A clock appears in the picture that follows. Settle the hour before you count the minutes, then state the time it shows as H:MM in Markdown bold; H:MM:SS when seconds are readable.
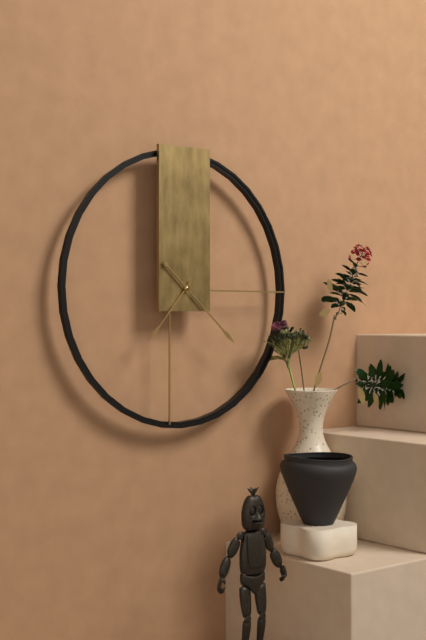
**7:22**
